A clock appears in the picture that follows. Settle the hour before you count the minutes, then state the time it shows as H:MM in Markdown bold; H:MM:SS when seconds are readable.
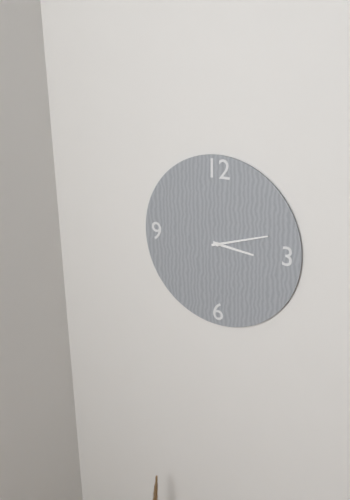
**3:12**
